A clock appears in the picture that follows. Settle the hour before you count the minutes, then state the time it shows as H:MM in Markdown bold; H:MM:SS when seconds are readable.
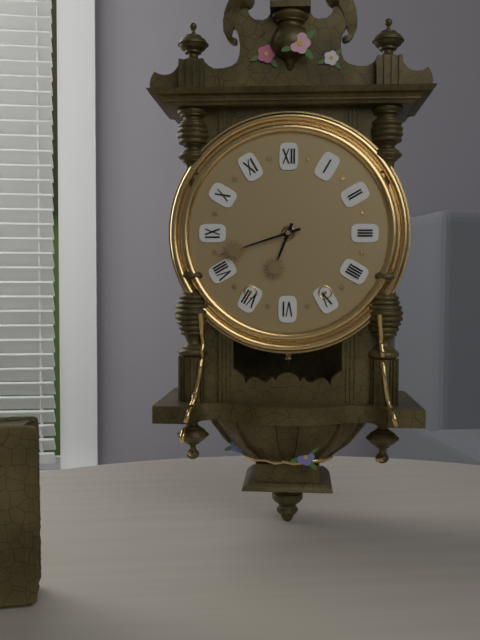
**6:42**
